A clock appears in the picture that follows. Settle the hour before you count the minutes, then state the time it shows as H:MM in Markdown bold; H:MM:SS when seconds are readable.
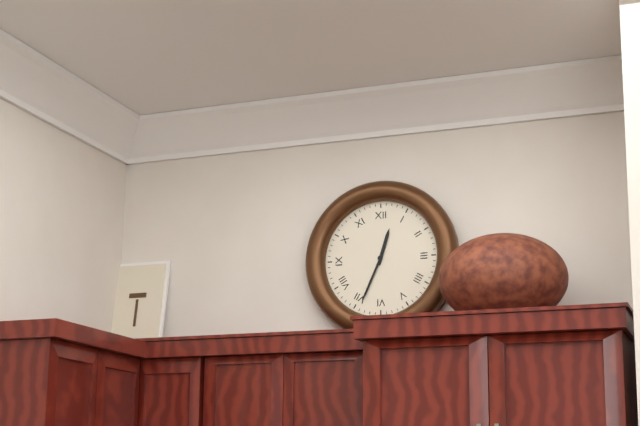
**12:34**
